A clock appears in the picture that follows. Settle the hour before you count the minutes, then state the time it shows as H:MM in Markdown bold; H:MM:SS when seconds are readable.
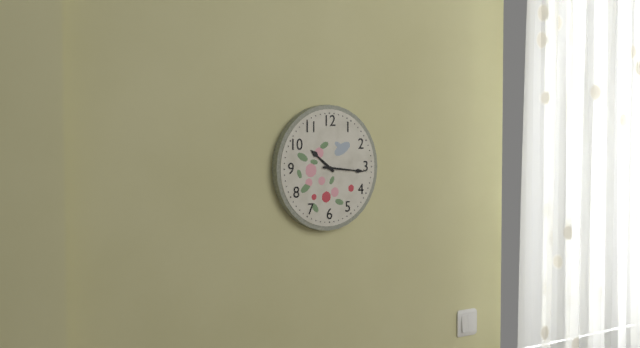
**10:16**
